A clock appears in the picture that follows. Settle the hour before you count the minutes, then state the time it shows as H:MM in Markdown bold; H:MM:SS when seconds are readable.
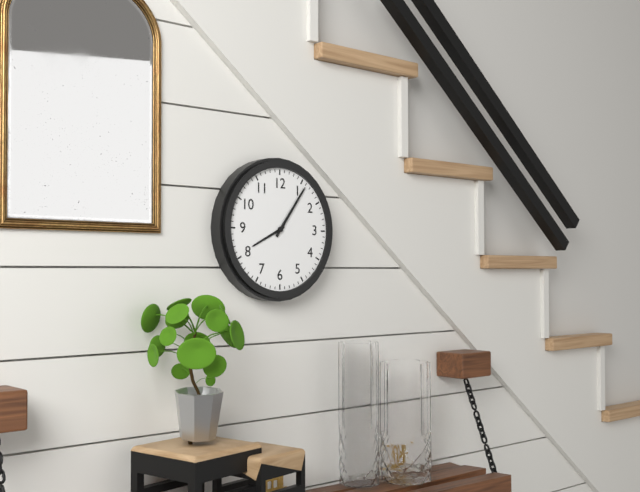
**8:06**
